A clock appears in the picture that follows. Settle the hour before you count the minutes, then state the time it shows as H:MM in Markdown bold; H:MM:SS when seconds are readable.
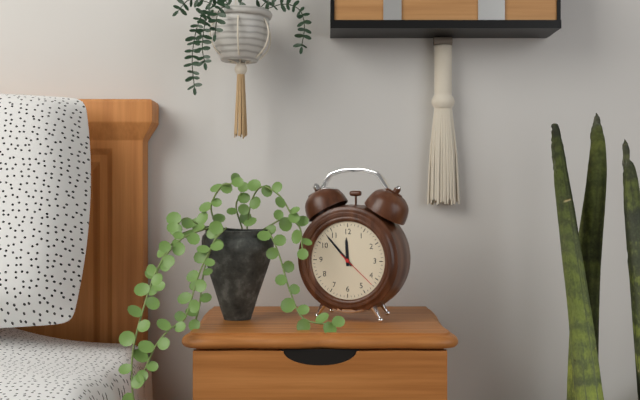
**11:53**
